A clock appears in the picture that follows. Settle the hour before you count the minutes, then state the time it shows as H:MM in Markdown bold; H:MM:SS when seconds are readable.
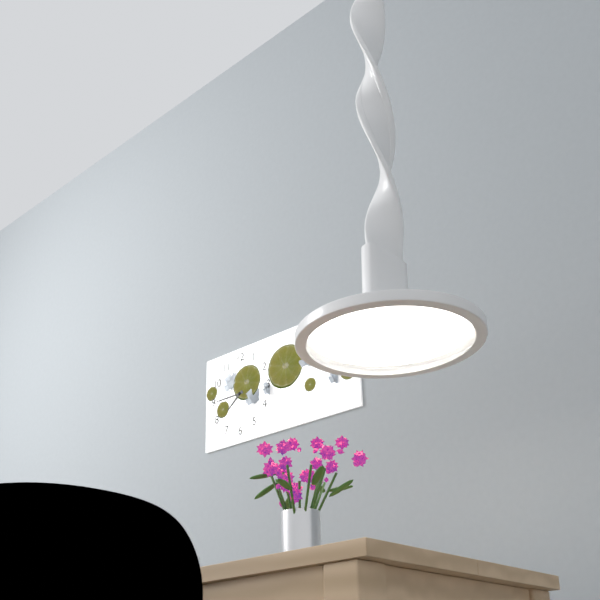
**7:45**
